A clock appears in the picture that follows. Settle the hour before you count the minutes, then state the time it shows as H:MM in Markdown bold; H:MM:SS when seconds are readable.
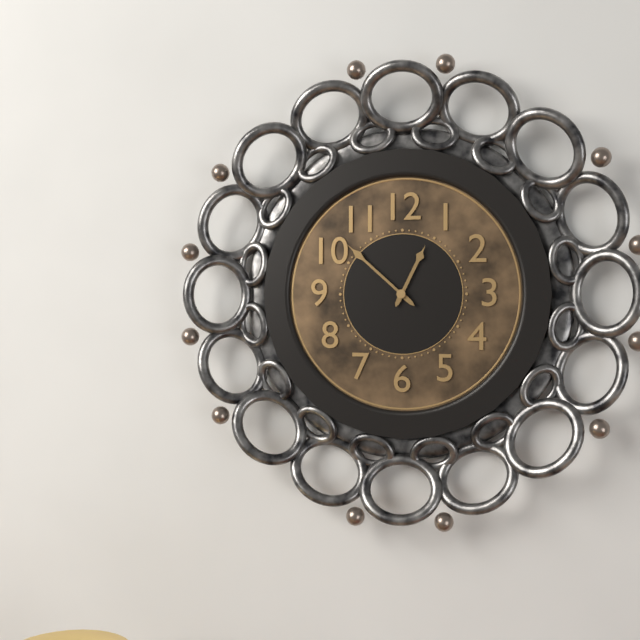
**12:52**
